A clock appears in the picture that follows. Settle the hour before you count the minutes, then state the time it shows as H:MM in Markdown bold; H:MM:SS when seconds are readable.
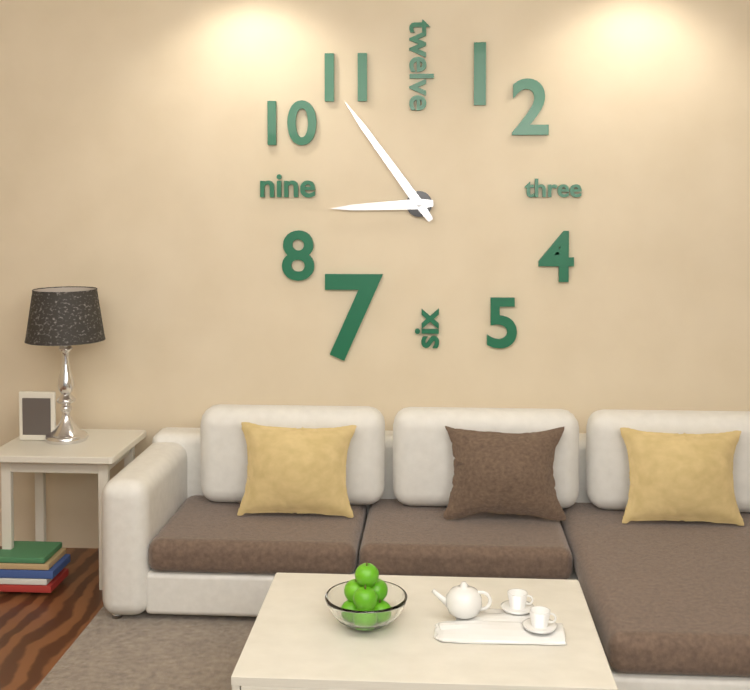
**8:54**
